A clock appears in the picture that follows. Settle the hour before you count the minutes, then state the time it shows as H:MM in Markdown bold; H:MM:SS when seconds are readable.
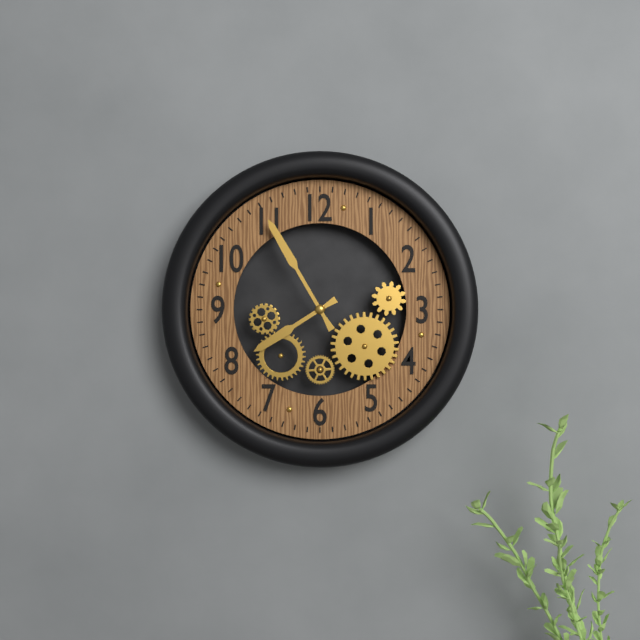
**7:55**
